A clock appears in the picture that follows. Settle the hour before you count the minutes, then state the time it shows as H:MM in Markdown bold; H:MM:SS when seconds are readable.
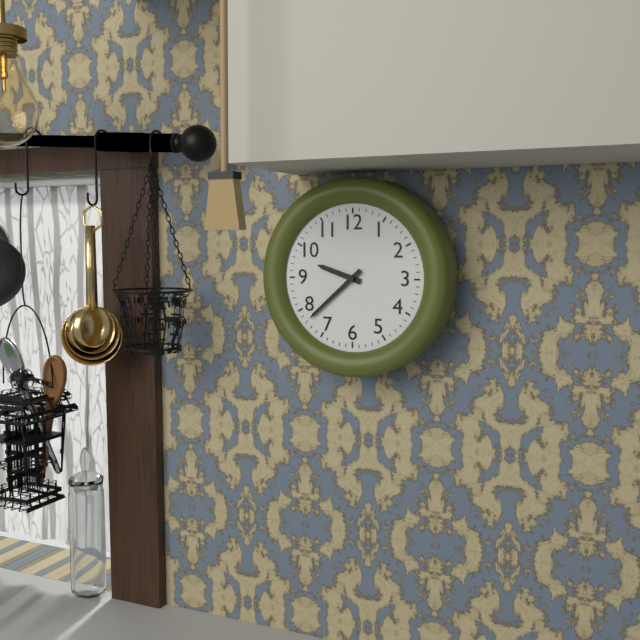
**9:38**
